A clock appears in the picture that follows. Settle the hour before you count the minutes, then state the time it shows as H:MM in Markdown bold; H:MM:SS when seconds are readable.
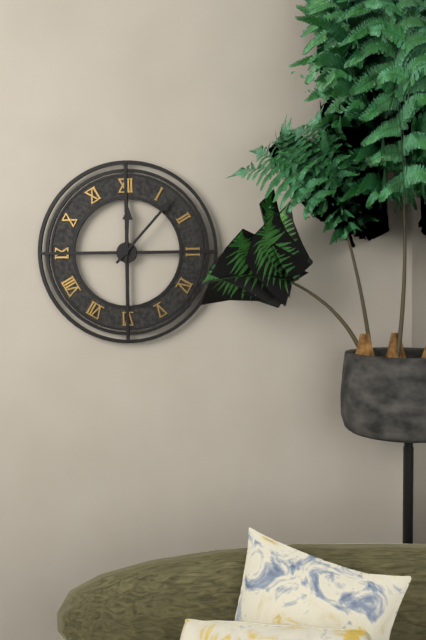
**12:07**
